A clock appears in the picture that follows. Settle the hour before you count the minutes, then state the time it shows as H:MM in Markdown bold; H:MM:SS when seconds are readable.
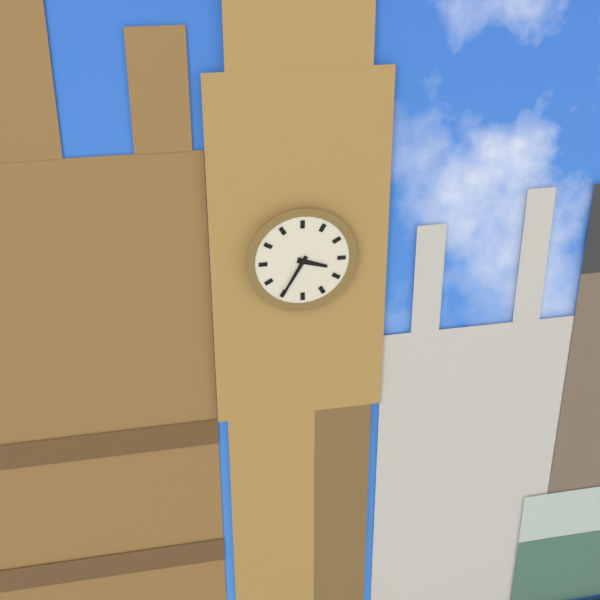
**3:35**
